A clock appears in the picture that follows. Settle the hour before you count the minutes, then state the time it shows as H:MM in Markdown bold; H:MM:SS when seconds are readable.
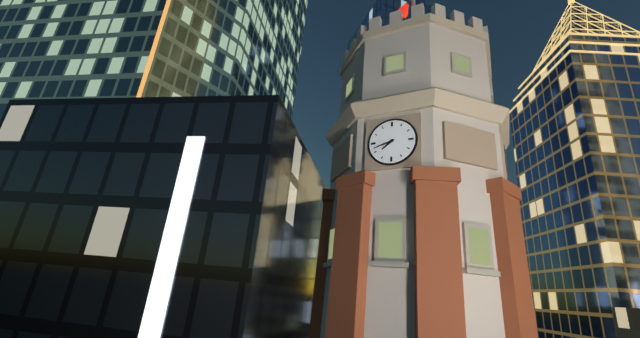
**7:42**
